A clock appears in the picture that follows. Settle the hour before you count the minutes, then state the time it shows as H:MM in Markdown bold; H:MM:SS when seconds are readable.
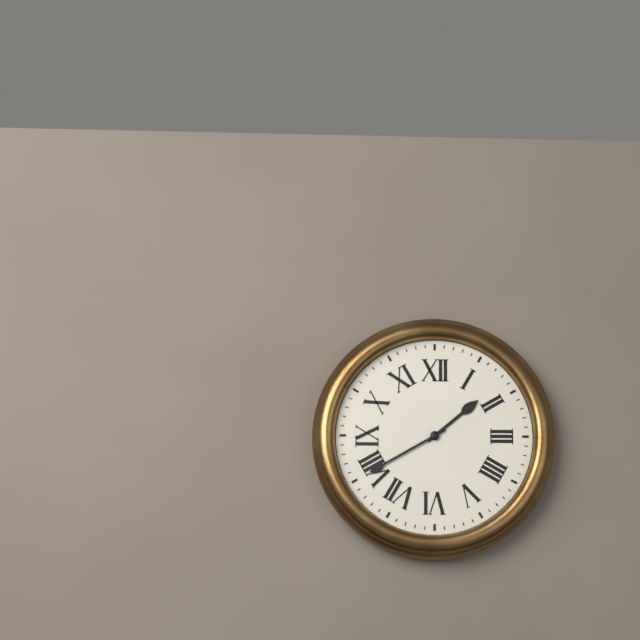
**1:40**
